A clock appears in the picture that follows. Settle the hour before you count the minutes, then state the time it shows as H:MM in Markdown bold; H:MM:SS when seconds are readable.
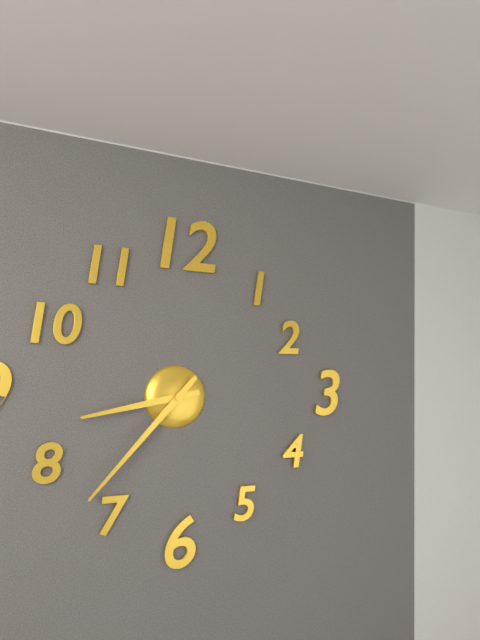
**8:37**
